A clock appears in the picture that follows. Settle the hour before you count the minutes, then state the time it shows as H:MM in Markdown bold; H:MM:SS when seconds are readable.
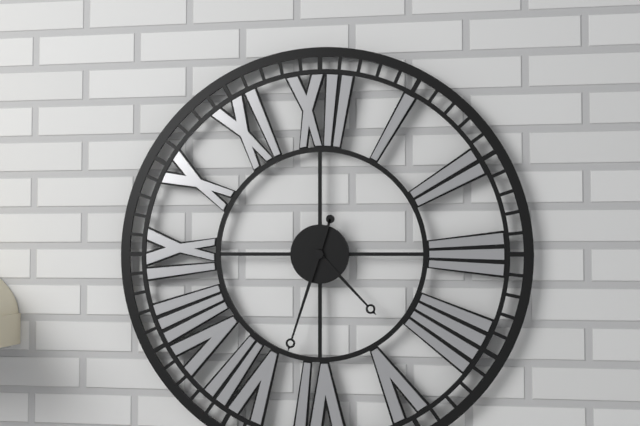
**4:33**
